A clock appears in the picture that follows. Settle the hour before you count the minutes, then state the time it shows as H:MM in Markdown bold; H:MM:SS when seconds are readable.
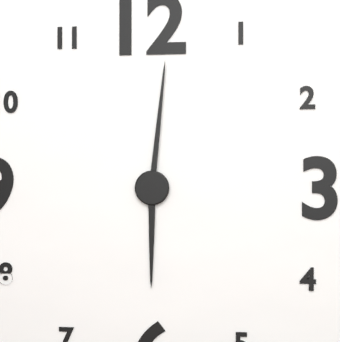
**6:01**
